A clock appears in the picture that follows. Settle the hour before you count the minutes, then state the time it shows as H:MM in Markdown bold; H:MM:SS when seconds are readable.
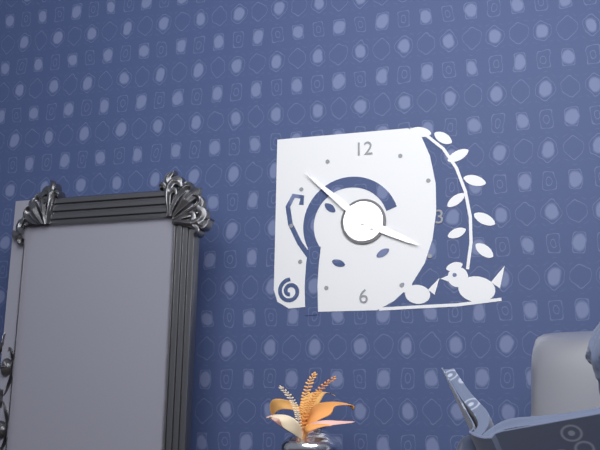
**3:52**
